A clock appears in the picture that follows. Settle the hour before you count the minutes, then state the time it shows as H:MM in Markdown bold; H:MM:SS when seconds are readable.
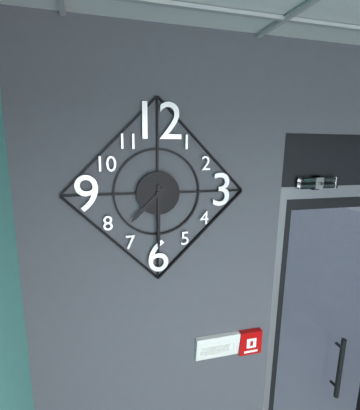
**7:30**
